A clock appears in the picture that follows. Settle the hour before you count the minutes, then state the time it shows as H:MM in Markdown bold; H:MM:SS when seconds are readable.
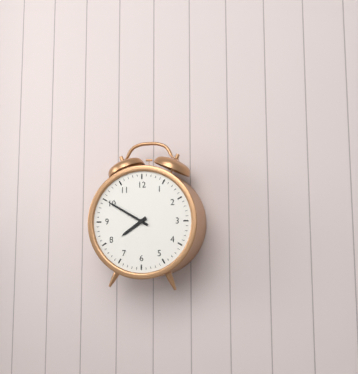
**7:50**
